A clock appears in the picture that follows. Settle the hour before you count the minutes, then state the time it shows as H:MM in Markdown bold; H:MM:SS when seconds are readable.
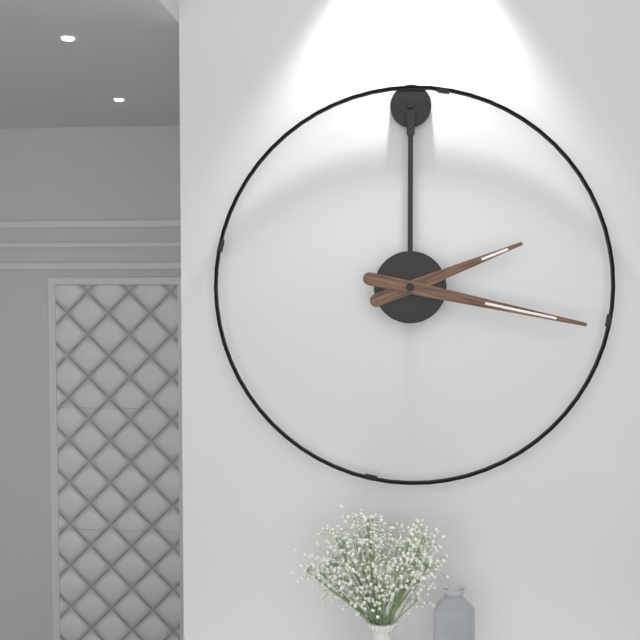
**2:17**
